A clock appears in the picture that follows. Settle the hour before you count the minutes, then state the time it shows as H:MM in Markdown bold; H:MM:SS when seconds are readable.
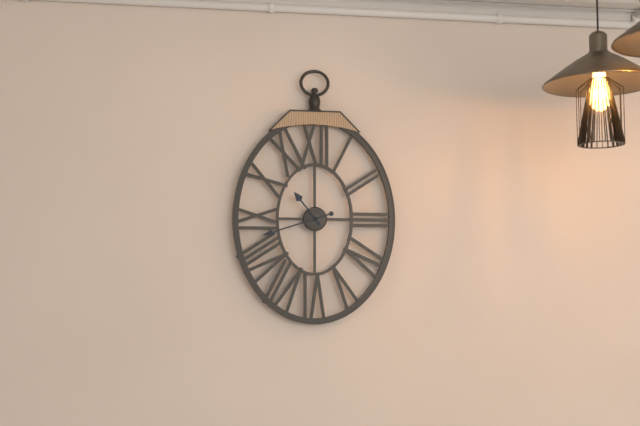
**10:42**
